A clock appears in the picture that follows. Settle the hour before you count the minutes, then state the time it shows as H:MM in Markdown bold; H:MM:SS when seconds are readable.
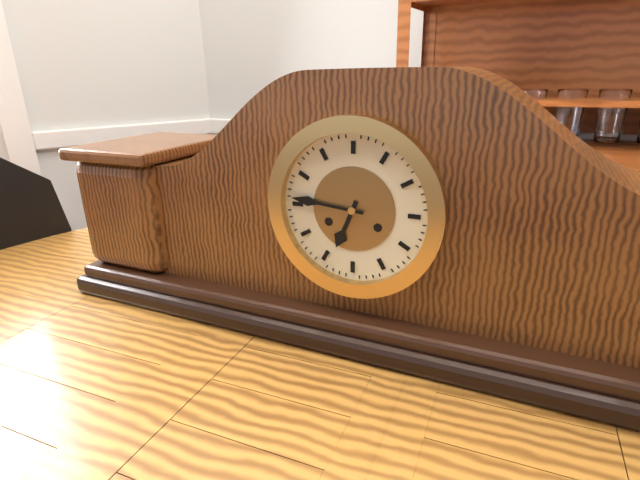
**6:46**
